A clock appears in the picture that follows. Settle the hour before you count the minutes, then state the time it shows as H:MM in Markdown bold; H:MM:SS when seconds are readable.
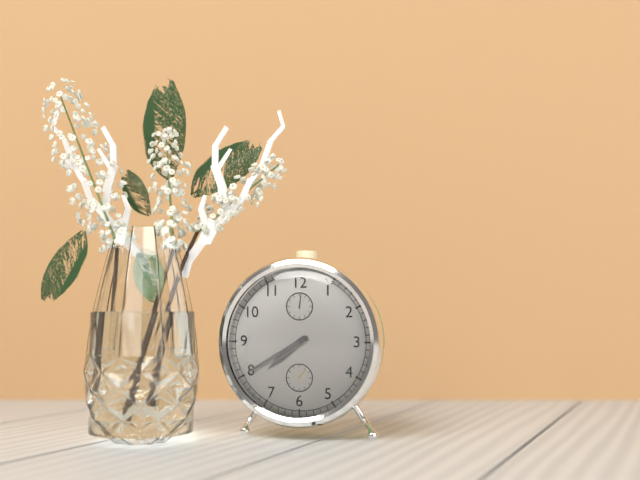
**7:40**
